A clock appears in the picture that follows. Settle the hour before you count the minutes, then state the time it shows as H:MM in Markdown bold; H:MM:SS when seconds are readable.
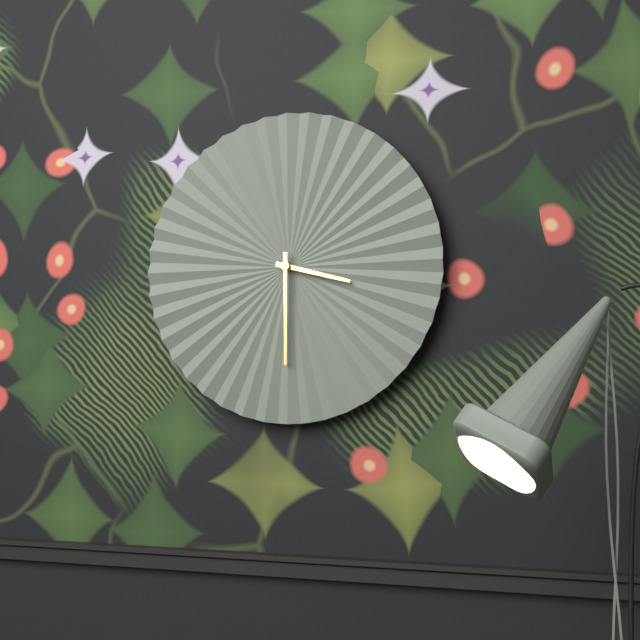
**3:30**
